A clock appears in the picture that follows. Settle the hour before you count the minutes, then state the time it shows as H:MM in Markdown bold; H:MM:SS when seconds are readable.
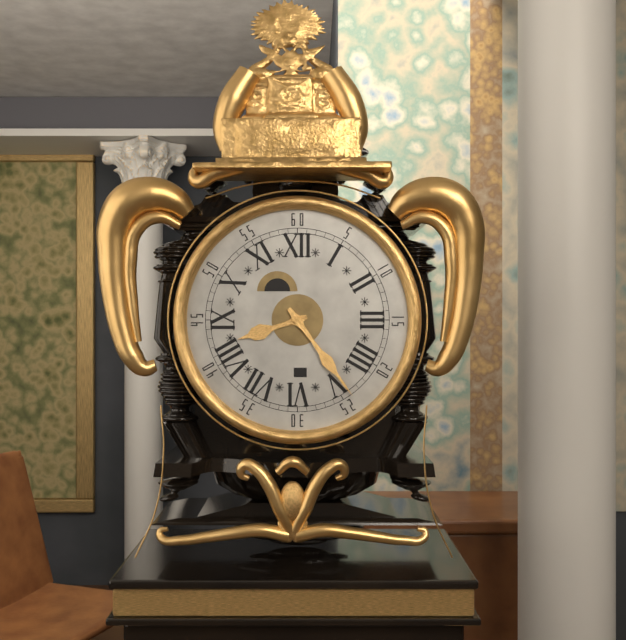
**8:24**
